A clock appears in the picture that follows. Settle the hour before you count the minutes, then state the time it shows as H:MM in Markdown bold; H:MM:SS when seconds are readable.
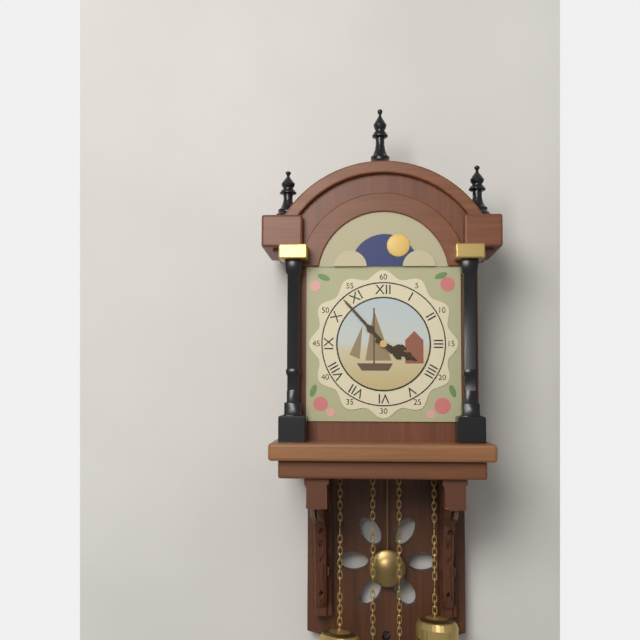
**3:53**
